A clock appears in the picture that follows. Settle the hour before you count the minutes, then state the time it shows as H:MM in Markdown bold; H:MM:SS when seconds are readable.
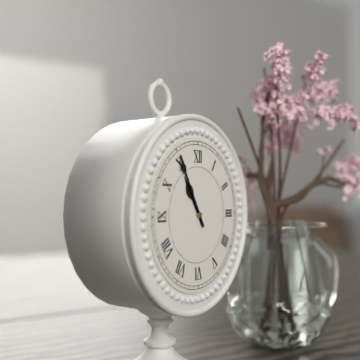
**10:55**
